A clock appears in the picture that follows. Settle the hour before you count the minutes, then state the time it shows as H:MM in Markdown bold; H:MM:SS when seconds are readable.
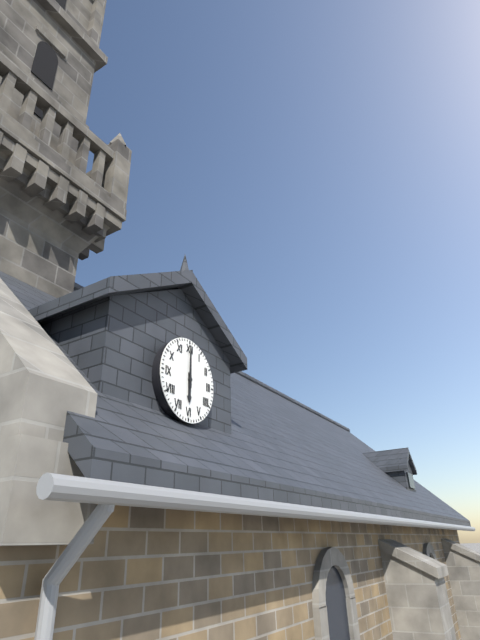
**6:00**
